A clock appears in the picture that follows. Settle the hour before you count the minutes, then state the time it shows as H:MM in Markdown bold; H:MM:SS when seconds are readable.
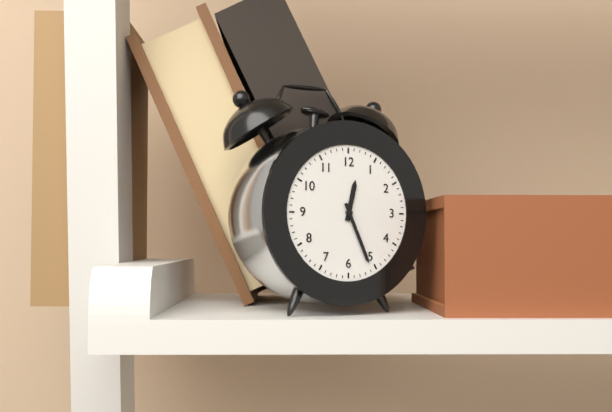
**12:26**
